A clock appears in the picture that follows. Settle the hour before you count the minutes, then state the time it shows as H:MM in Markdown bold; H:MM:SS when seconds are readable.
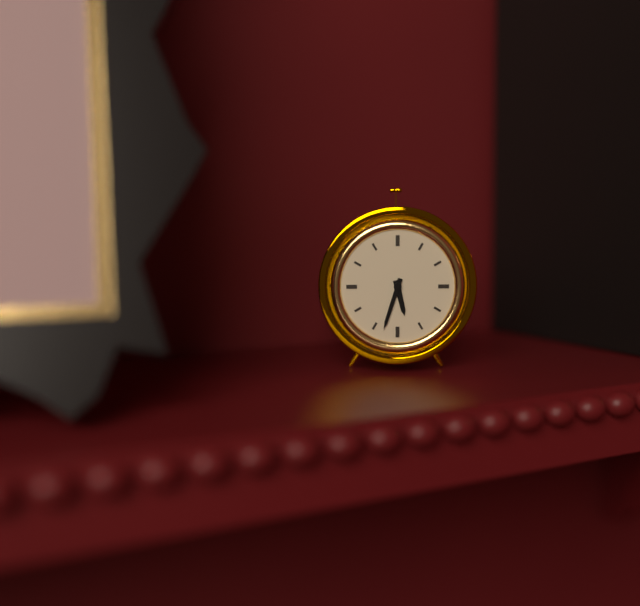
**5:33**
